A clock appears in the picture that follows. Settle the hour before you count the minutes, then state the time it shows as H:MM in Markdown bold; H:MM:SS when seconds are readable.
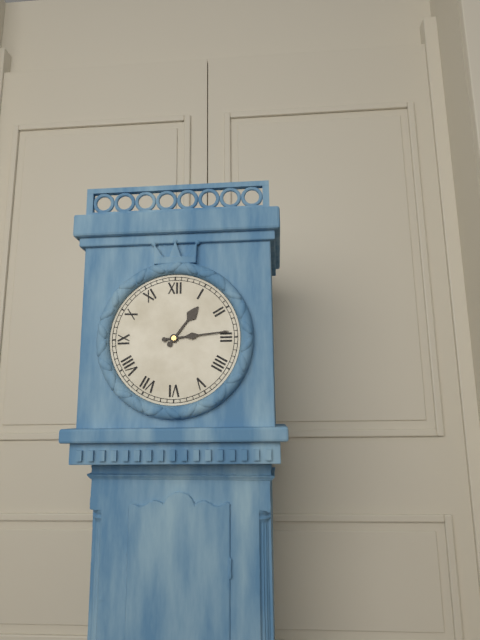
**1:14**
